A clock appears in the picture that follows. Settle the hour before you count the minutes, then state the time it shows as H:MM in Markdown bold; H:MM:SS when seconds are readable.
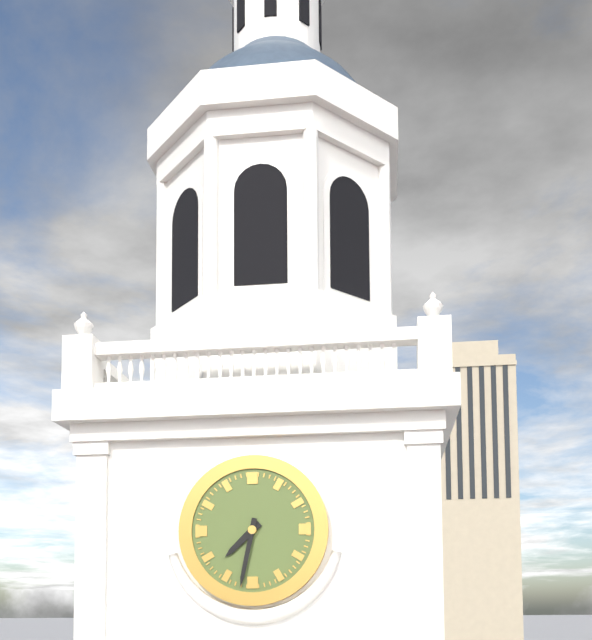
**7:32**
